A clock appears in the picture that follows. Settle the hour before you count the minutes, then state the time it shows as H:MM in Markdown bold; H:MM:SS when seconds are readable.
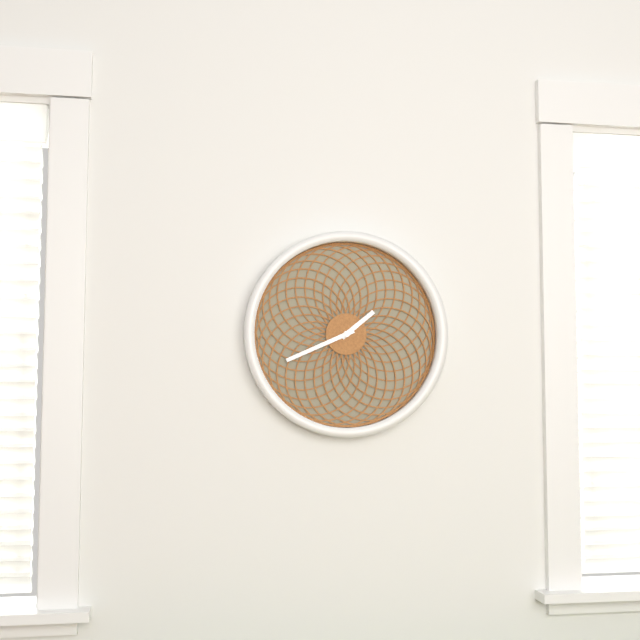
**1:41**
